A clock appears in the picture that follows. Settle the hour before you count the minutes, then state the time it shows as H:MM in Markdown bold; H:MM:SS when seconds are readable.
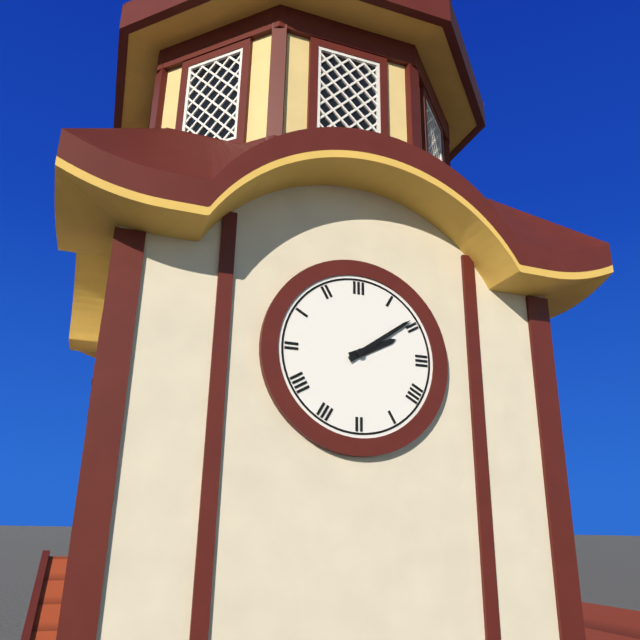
**2:09**
